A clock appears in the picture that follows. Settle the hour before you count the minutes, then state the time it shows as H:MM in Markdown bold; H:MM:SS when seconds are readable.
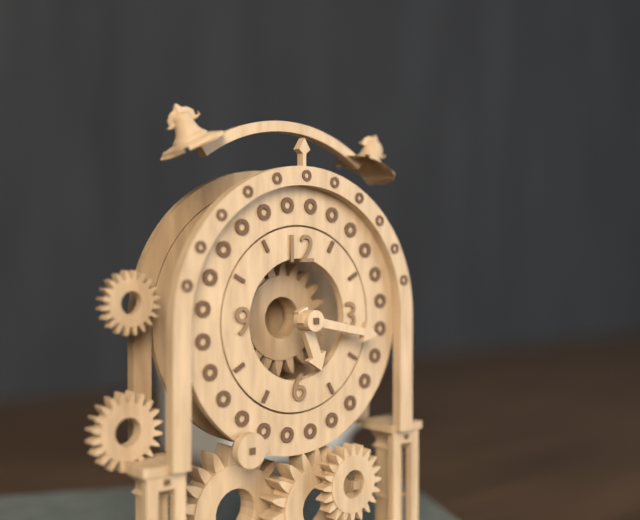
**5:17**
